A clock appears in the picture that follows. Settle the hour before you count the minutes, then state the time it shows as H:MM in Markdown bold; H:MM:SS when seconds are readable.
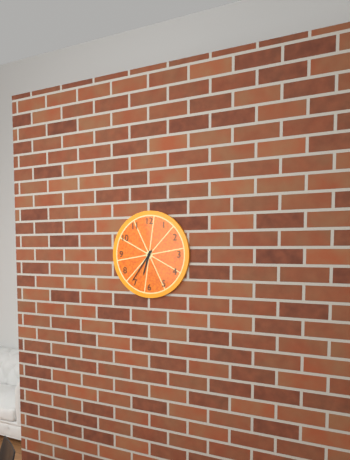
**6:36**
